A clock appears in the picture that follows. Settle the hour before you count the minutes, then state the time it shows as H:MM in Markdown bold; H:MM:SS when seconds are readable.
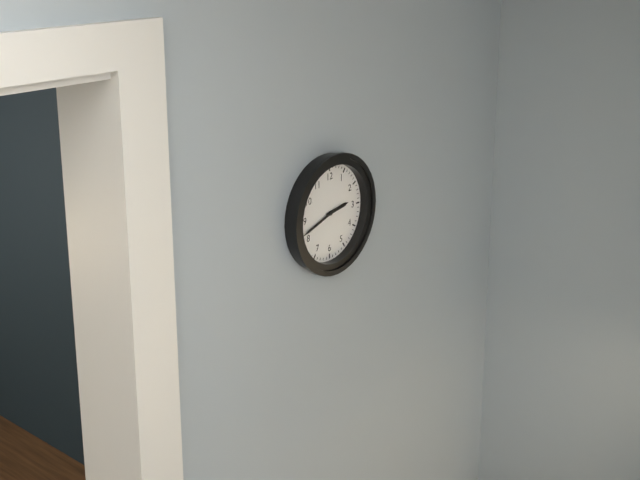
**2:42**
